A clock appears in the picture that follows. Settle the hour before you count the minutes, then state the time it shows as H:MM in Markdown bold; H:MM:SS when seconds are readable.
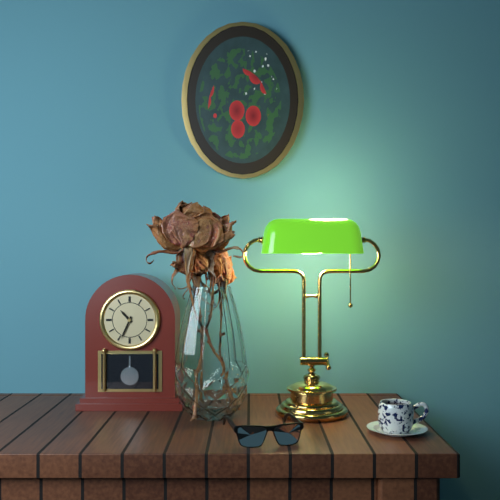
**10:34**
